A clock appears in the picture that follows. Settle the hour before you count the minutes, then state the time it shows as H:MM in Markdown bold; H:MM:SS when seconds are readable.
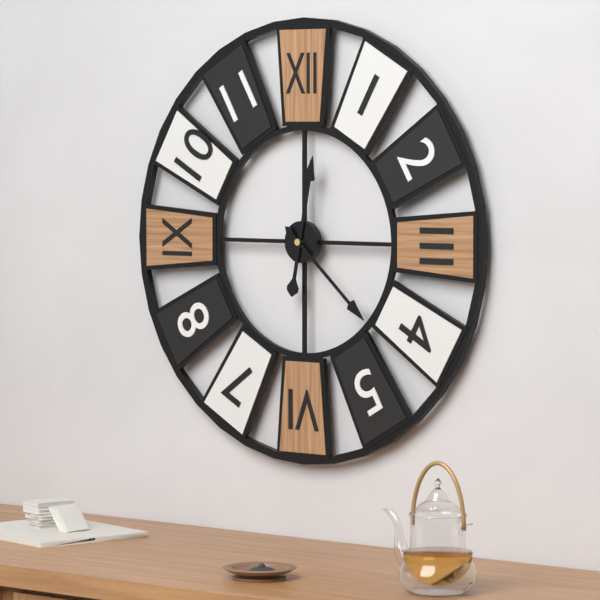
**12:22**
